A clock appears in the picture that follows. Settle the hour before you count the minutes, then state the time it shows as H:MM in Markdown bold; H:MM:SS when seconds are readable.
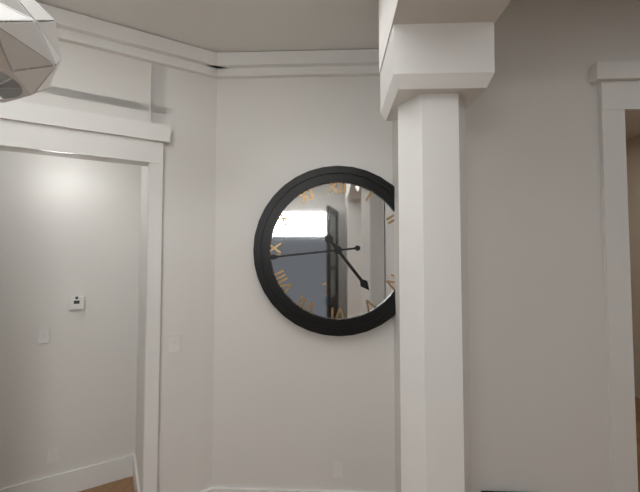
**4:44**
